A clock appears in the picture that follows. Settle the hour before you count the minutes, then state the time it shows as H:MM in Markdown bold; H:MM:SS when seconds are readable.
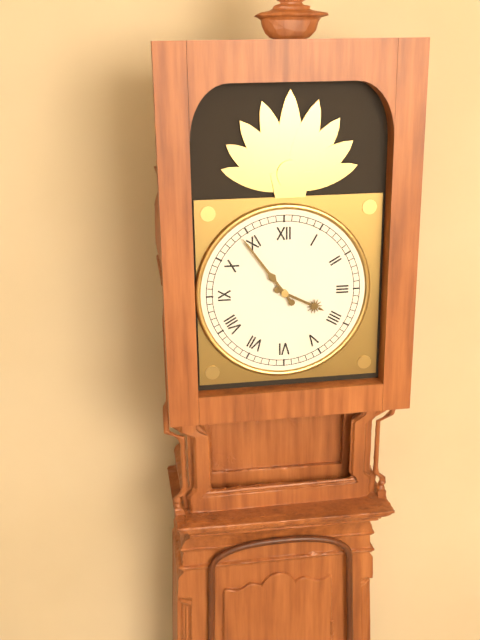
**3:54**
